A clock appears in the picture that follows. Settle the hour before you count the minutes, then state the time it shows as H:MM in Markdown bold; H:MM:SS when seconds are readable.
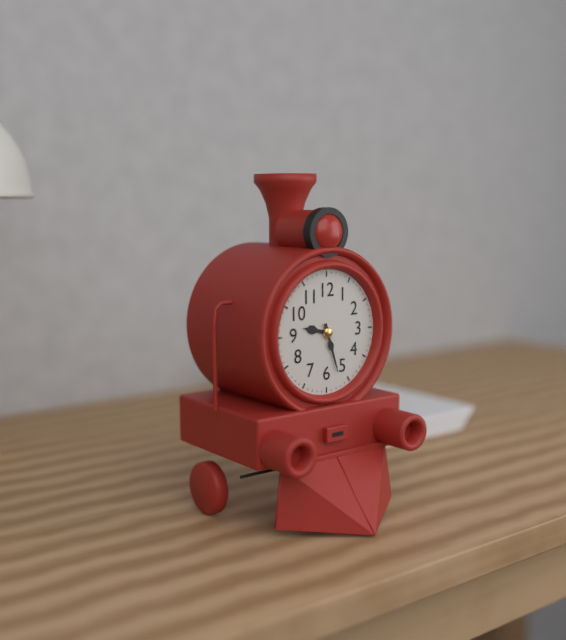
**9:27**
